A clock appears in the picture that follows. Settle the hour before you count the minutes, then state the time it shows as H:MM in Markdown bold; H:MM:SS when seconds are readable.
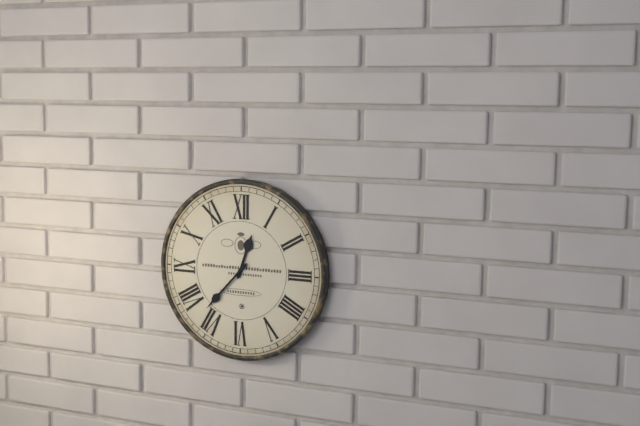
**12:37**
